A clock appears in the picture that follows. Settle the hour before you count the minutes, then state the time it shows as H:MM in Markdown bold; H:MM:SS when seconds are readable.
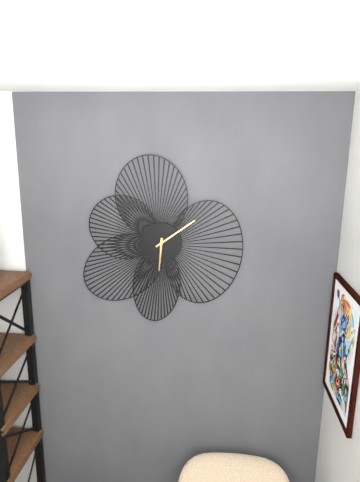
**6:09**
